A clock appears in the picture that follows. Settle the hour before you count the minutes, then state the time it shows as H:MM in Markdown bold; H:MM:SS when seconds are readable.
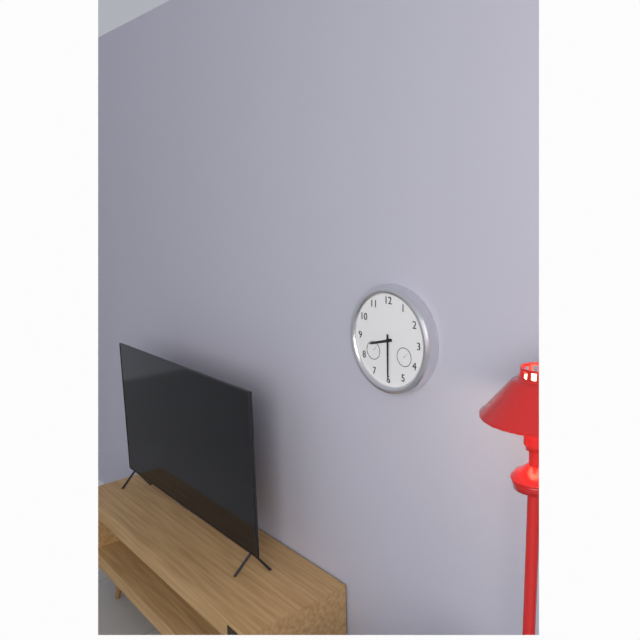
**8:30**
